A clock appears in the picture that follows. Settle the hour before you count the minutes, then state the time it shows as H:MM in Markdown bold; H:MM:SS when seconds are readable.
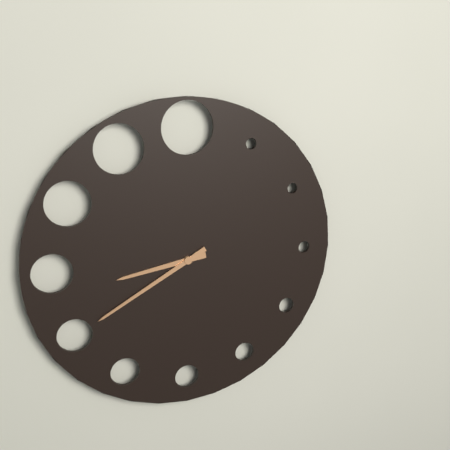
**8:40**
